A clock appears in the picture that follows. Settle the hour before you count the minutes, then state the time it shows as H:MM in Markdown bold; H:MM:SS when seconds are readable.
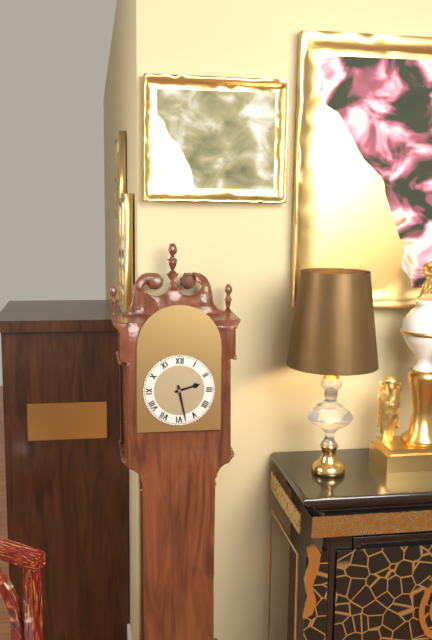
**2:28**
